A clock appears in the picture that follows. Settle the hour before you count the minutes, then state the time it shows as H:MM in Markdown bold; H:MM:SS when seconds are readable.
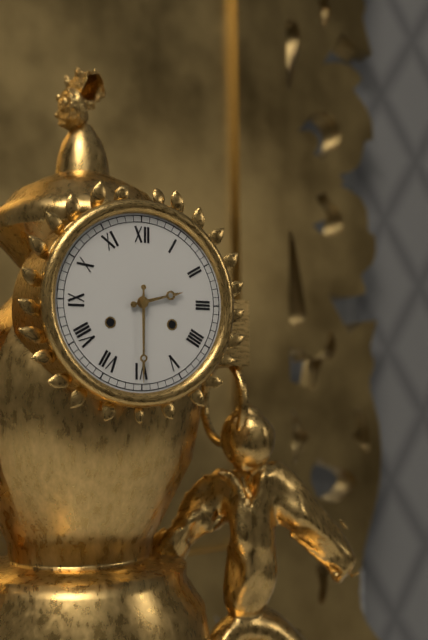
**2:30**
